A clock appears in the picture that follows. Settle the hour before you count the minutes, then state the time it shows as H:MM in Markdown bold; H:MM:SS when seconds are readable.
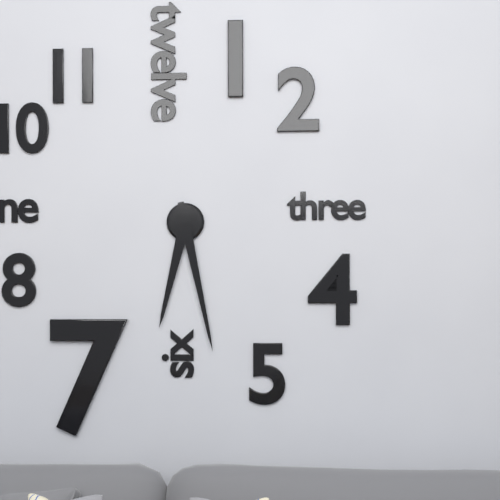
**6:28**
